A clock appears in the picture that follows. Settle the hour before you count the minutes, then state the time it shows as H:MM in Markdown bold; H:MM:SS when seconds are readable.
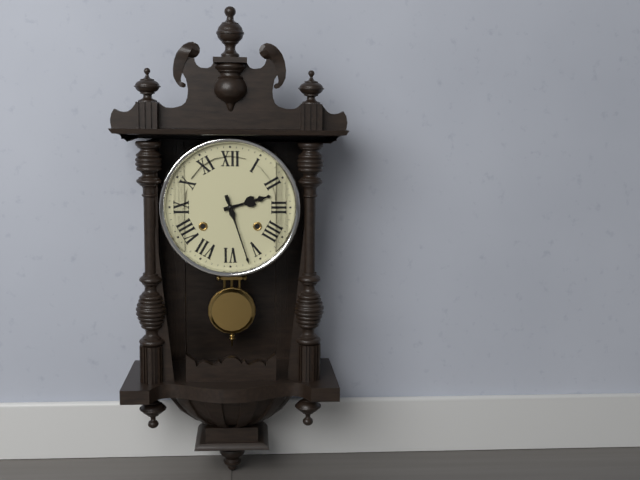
**2:27**
